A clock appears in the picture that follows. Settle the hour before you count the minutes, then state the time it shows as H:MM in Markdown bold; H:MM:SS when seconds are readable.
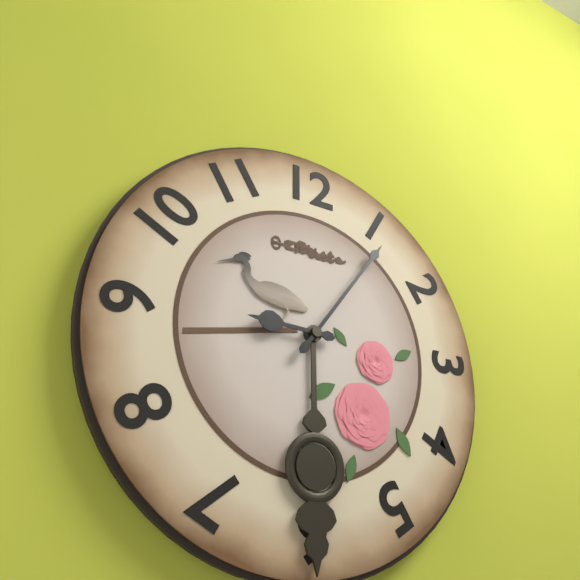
**9:06**
